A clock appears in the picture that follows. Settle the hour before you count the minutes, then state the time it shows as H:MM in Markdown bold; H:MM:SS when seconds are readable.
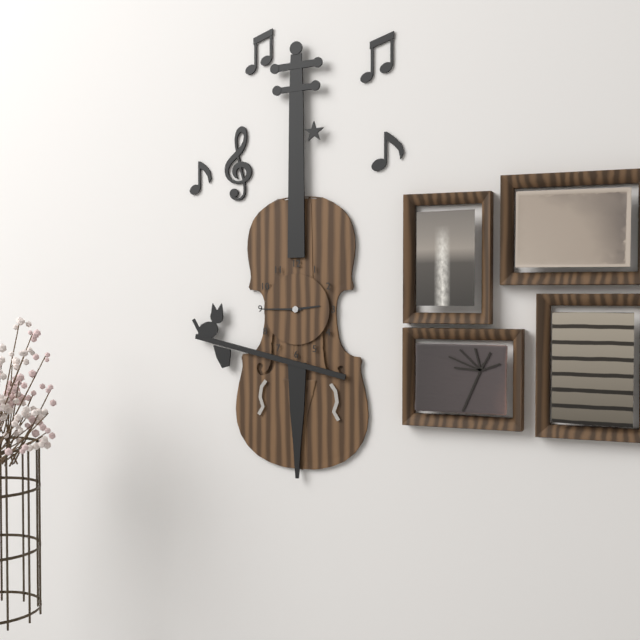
**2:45**
